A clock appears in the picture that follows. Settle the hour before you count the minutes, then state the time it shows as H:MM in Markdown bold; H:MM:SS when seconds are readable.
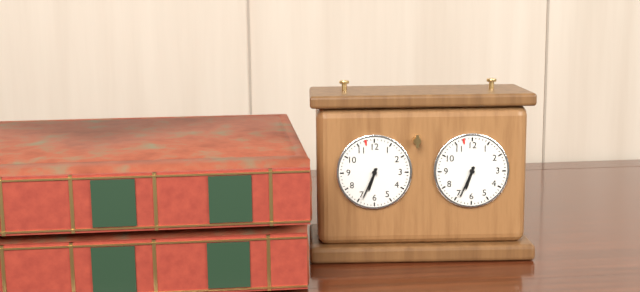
**6:34**
